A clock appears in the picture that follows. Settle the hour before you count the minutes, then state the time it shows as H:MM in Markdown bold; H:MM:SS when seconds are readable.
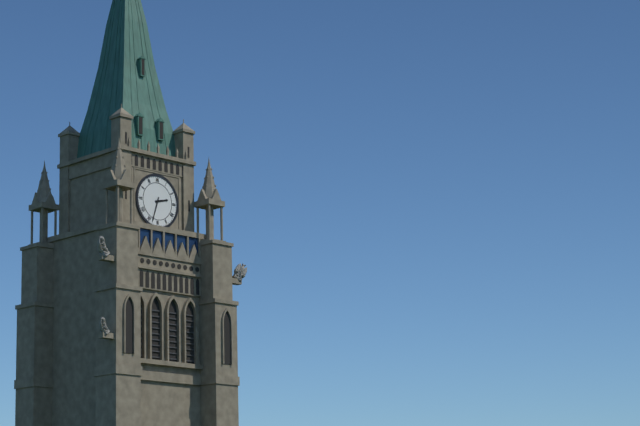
**2:33**
